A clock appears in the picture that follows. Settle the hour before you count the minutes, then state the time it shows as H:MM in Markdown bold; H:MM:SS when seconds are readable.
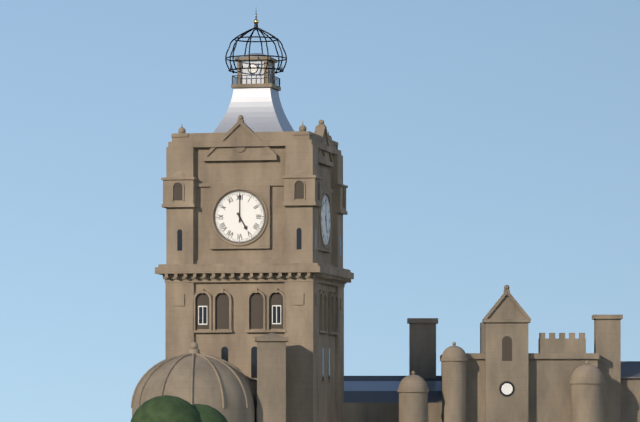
**5:00**
